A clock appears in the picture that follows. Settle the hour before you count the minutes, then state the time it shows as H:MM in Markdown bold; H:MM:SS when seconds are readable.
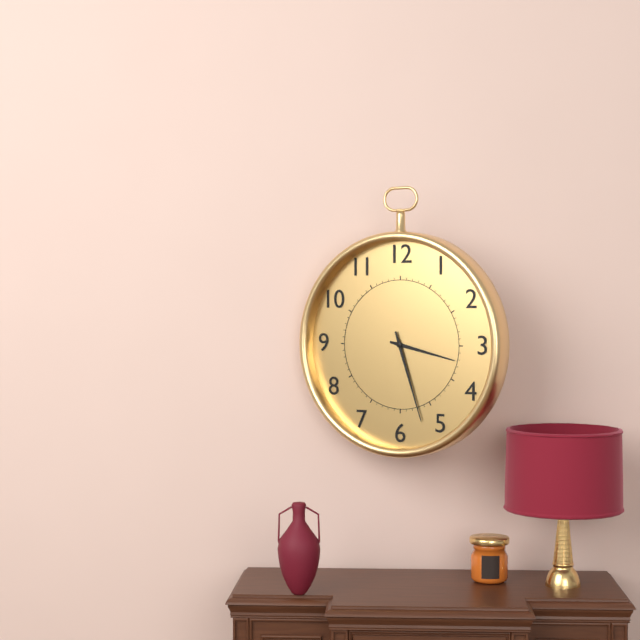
**3:27**
